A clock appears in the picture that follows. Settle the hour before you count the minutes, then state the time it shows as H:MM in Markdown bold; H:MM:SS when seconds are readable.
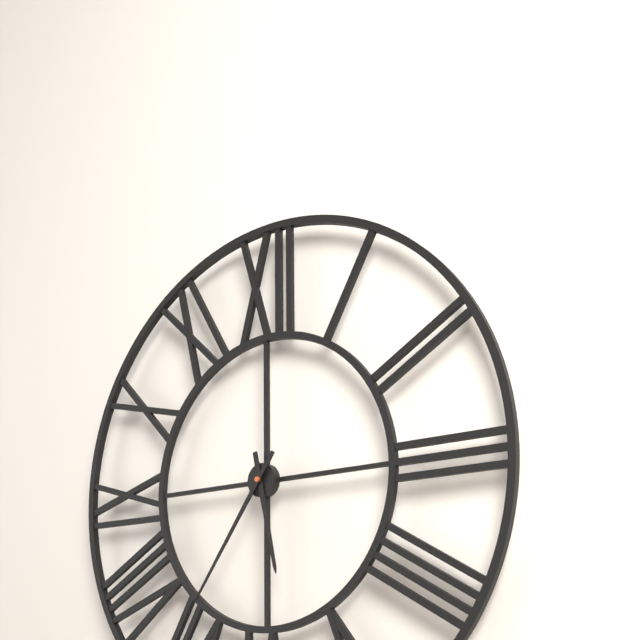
**5:36**
